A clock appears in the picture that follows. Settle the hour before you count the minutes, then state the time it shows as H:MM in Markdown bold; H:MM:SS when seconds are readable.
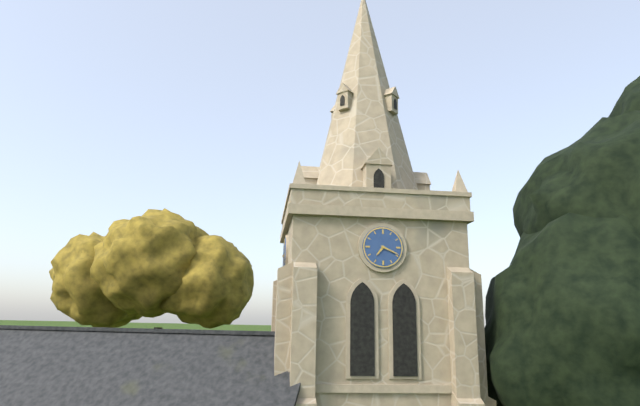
**7:19**
